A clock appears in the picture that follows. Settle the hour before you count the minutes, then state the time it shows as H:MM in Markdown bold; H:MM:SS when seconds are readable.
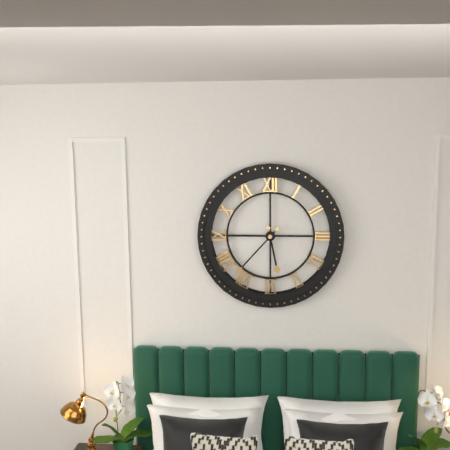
**5:37**
